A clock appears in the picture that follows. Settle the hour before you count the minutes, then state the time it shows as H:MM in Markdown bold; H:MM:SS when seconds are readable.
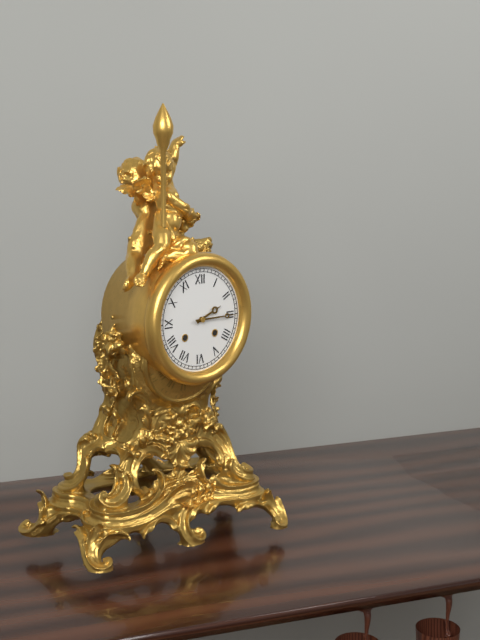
**2:15**
